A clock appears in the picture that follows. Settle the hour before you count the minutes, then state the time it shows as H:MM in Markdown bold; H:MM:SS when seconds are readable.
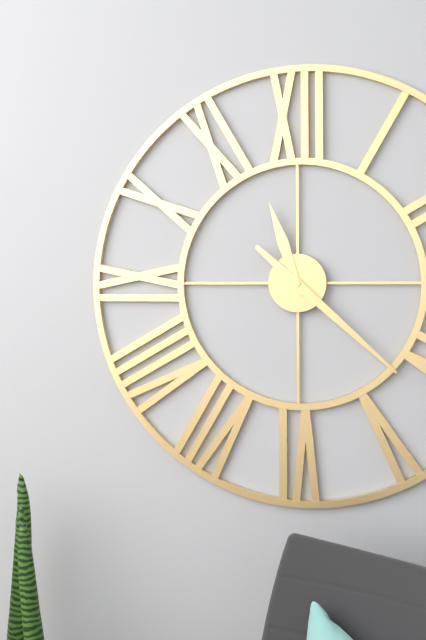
**11:22**
